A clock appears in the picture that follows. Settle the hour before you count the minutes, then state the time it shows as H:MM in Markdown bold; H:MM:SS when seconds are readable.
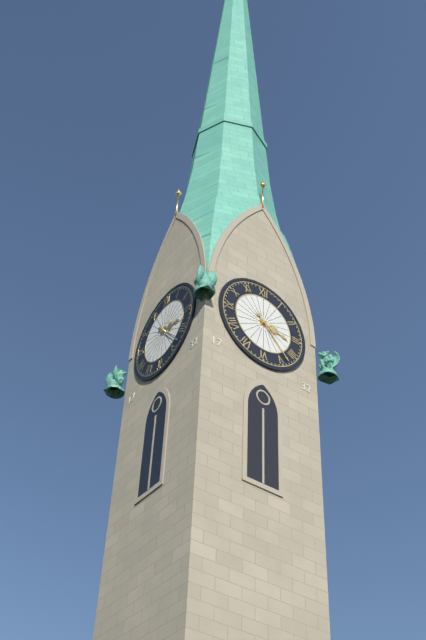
**3:23**
